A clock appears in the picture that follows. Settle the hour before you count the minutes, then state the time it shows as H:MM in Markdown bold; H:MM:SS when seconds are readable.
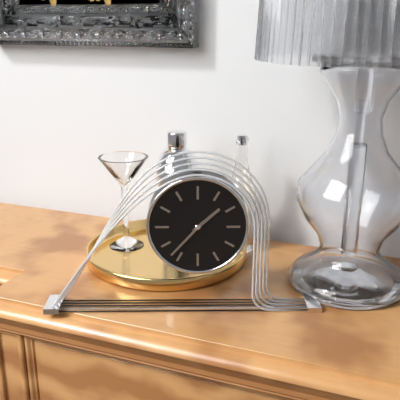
**1:37**
